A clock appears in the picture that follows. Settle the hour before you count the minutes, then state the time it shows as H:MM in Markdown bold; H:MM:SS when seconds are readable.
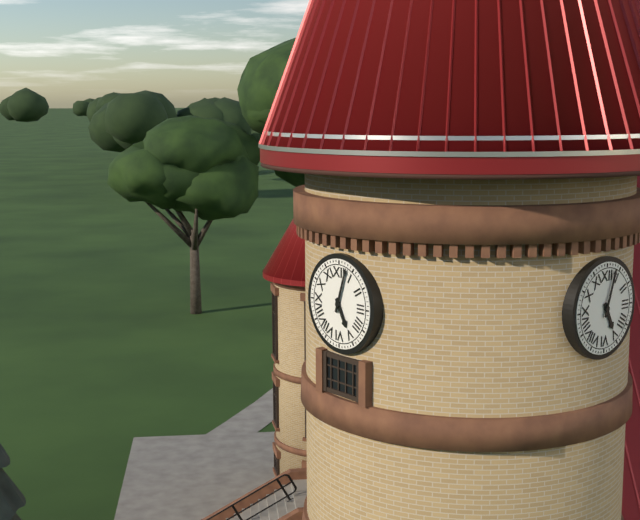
**5:03**
